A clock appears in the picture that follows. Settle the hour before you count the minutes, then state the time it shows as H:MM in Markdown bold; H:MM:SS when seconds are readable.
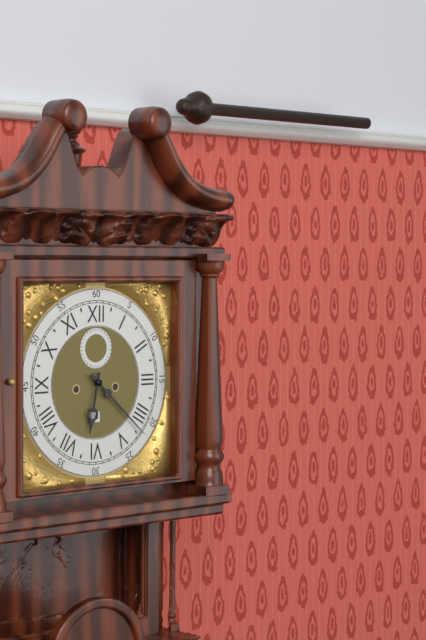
**6:22**
